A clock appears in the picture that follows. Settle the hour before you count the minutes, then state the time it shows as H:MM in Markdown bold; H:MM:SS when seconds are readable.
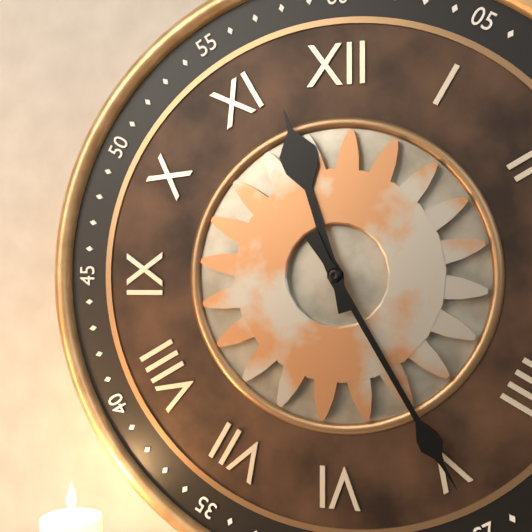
**11:25**
